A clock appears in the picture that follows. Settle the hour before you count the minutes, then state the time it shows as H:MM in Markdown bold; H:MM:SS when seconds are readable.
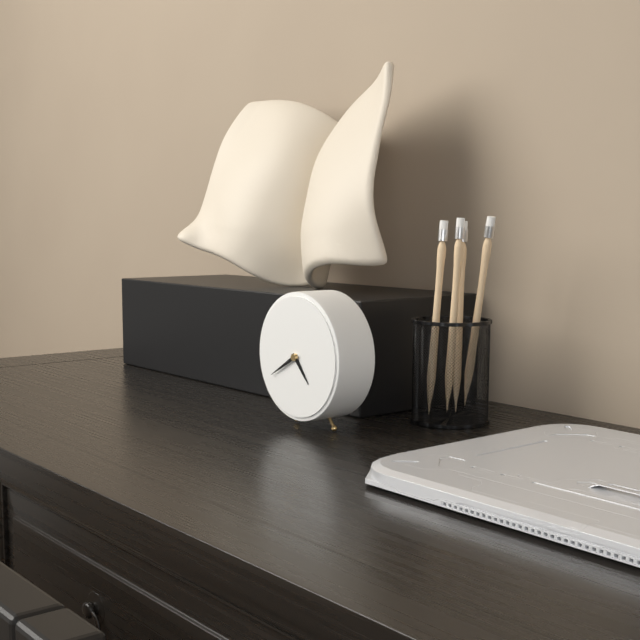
**4:40**
